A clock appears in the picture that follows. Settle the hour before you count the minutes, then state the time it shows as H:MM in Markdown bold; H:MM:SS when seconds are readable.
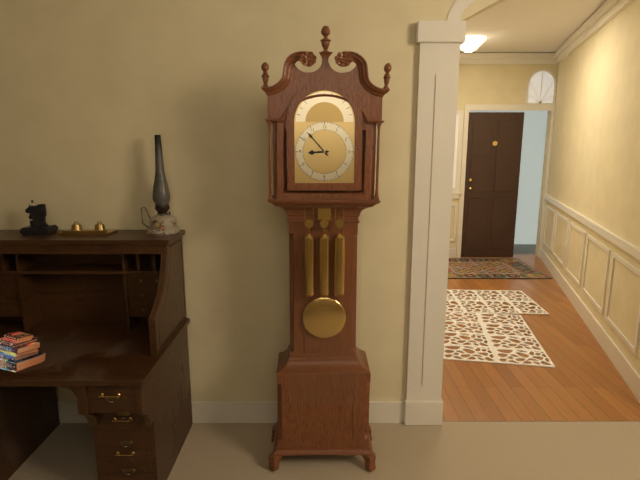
**8:53**
